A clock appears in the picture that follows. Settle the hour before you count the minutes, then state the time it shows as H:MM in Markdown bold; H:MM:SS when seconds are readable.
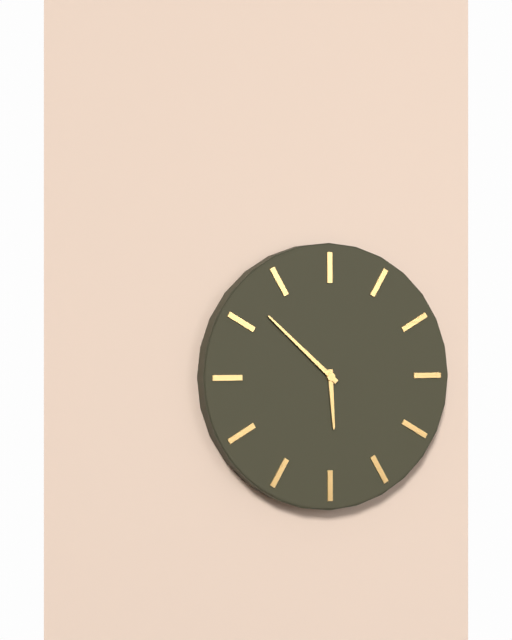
**5:52**
